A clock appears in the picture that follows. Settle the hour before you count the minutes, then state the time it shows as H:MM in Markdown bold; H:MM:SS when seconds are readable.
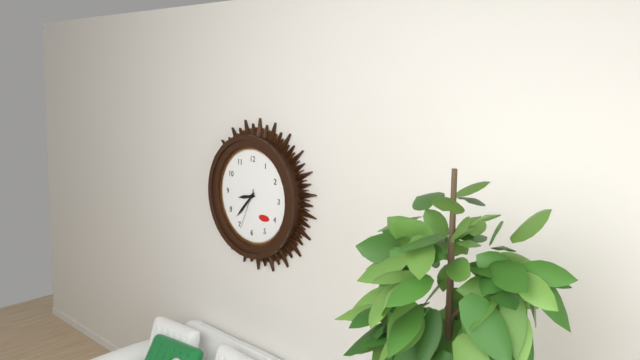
**8:37**
